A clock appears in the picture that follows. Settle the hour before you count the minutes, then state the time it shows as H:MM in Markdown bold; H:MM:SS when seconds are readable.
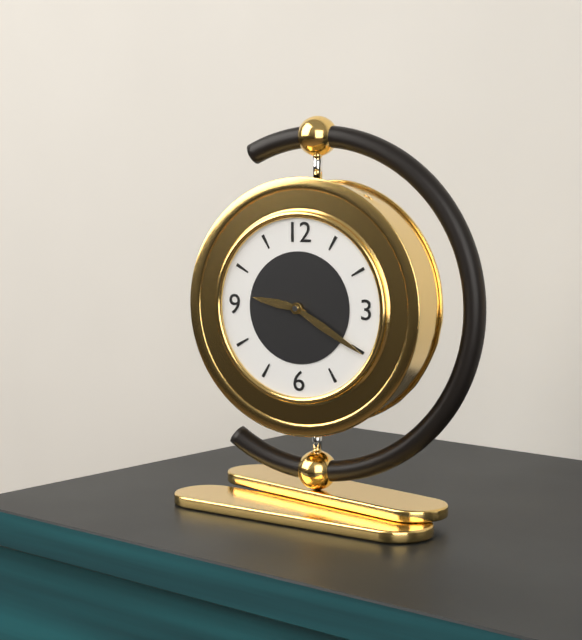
**9:20**
